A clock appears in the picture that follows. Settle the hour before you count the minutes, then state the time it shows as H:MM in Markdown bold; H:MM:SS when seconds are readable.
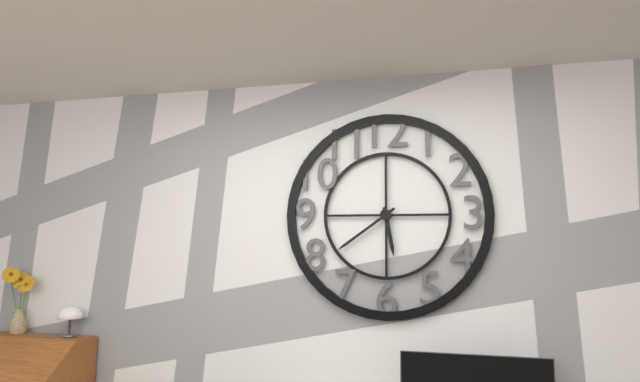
**5:39**
